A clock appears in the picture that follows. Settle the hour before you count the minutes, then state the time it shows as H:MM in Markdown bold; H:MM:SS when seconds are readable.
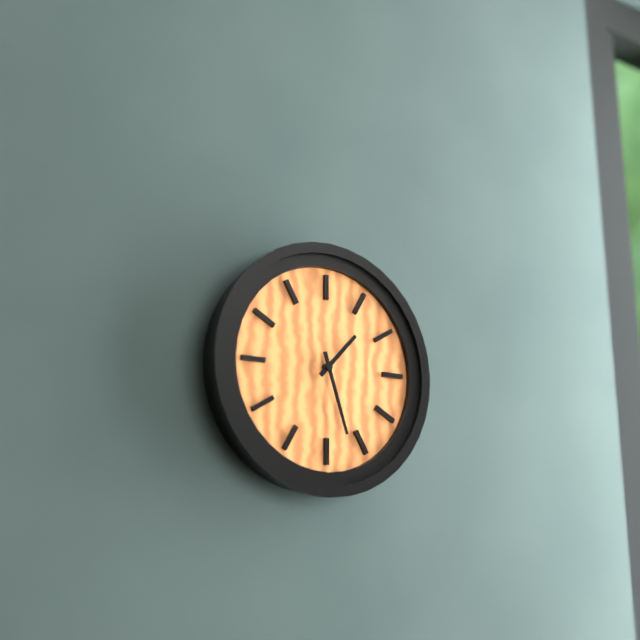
**1:27**
